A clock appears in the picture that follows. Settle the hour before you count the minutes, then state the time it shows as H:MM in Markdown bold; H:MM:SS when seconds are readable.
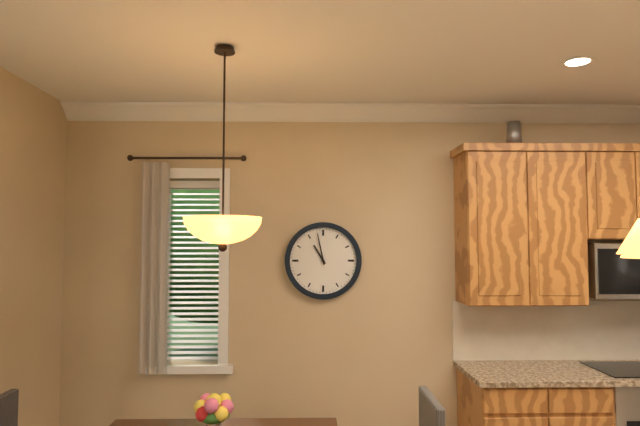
**10:58**
